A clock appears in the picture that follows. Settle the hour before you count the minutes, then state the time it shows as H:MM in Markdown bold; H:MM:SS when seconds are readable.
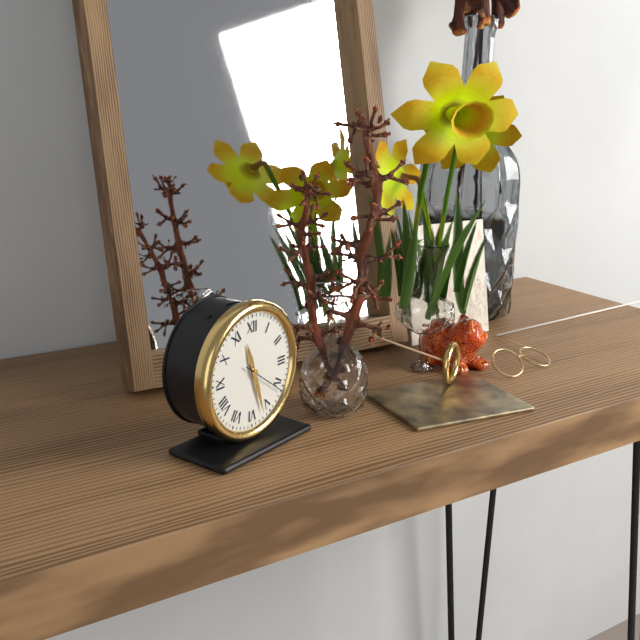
**11:27**
